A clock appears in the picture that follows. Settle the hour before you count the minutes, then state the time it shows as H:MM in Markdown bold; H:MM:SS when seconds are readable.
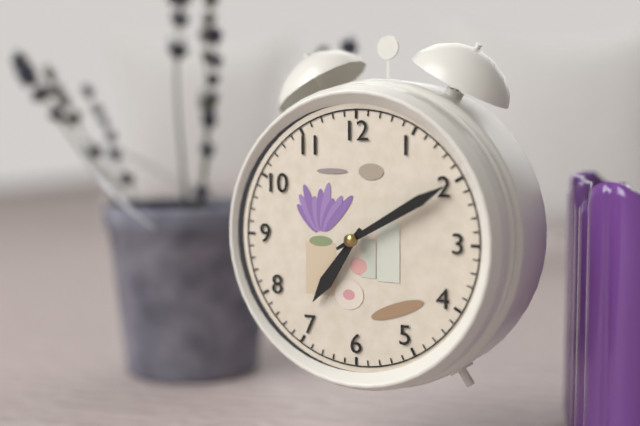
**7:10**
